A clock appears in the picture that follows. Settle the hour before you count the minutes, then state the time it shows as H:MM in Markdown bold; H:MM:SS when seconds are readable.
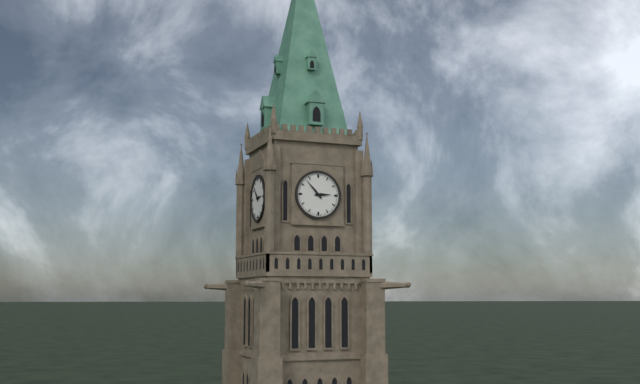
**2:53**
